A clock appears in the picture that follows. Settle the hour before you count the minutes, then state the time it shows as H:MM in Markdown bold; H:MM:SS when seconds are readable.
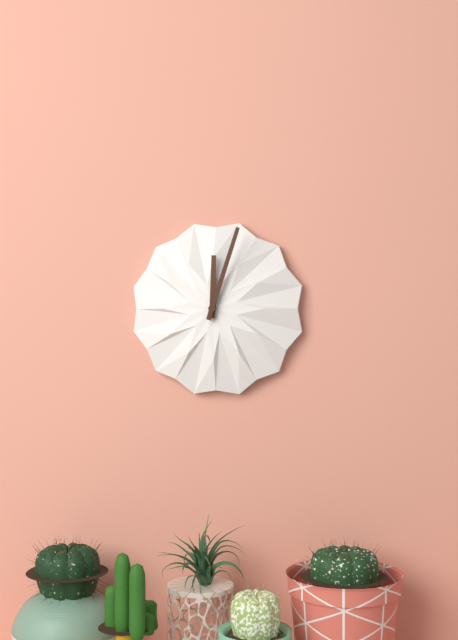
**12:03**
